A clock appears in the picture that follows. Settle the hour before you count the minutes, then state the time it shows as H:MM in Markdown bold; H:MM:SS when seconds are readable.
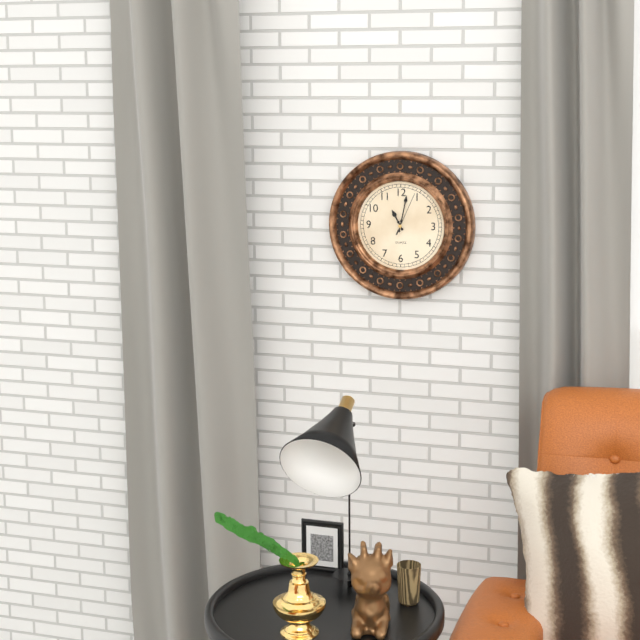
**11:02**
